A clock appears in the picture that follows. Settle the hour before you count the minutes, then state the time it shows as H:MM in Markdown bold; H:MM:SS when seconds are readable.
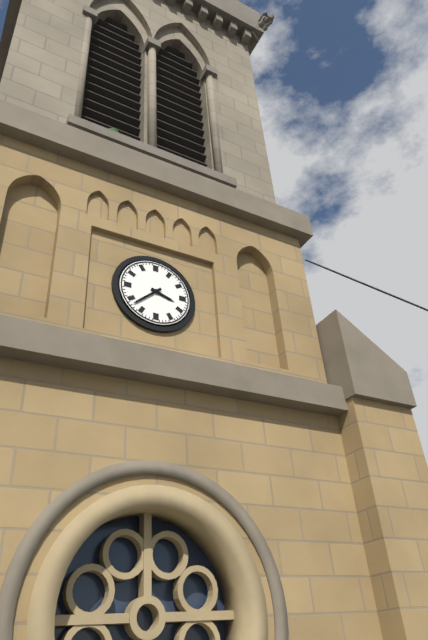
**3:38**
